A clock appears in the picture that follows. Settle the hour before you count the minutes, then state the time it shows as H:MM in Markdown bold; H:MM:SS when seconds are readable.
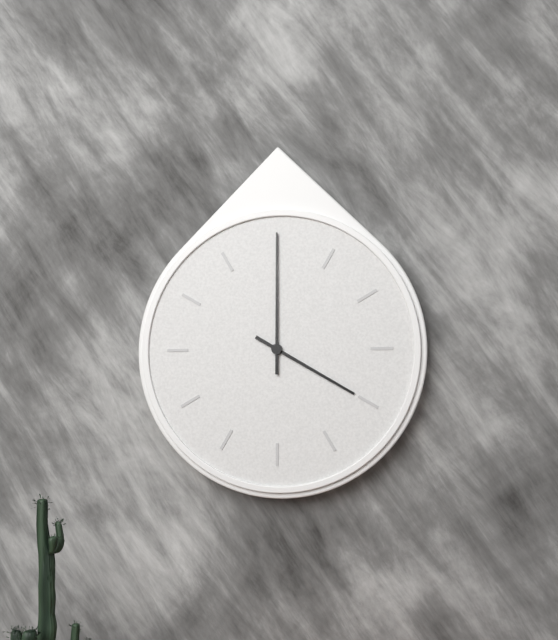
**4:00**
